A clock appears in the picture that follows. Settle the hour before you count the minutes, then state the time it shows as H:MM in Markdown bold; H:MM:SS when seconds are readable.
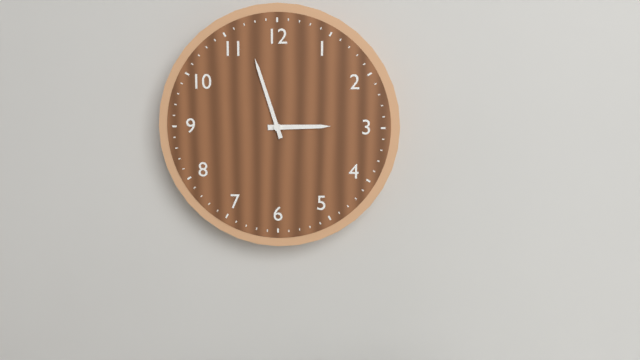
**2:57**
